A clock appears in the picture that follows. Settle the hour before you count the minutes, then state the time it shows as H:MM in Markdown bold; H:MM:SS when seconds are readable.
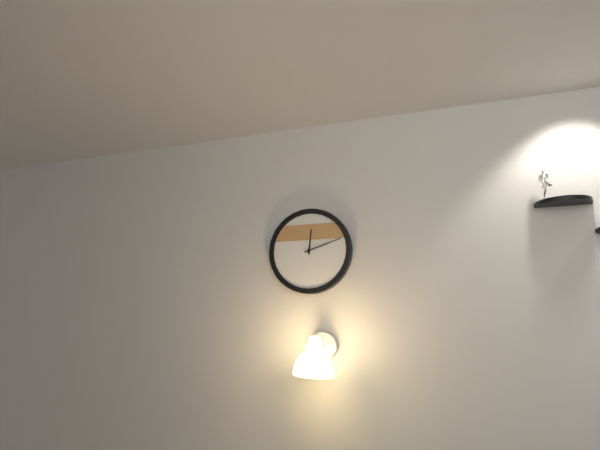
**12:12**
